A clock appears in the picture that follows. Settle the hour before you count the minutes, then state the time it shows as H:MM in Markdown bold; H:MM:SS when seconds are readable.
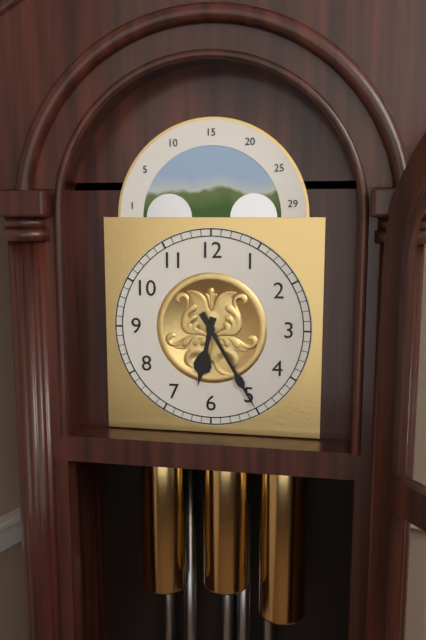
**6:25**
